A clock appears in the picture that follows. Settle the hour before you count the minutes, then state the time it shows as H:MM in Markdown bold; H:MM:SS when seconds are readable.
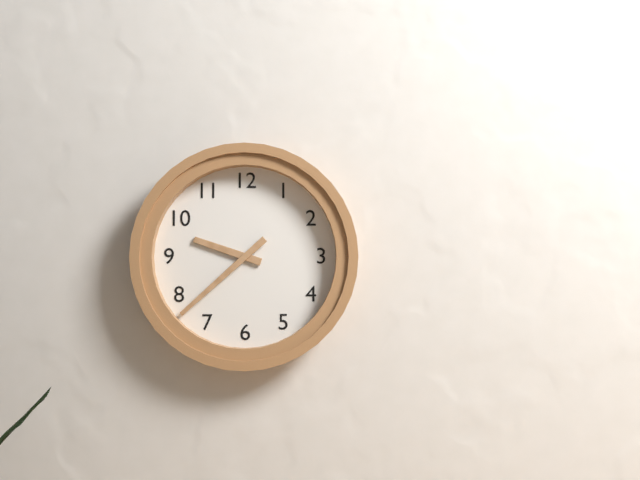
**9:38**
